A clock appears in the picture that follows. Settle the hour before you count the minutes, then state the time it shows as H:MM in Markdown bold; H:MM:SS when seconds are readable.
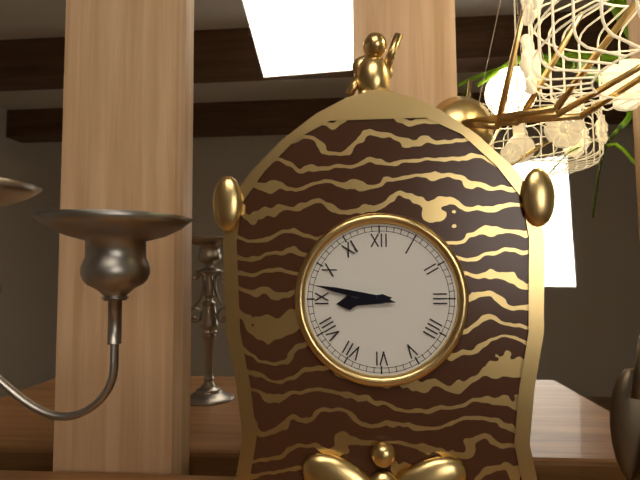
**8:47**
